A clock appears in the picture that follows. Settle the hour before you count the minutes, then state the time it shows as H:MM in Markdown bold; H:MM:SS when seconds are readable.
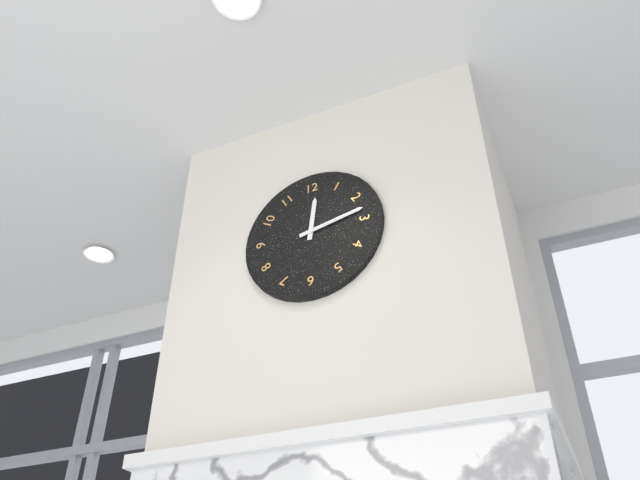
**12:13**
